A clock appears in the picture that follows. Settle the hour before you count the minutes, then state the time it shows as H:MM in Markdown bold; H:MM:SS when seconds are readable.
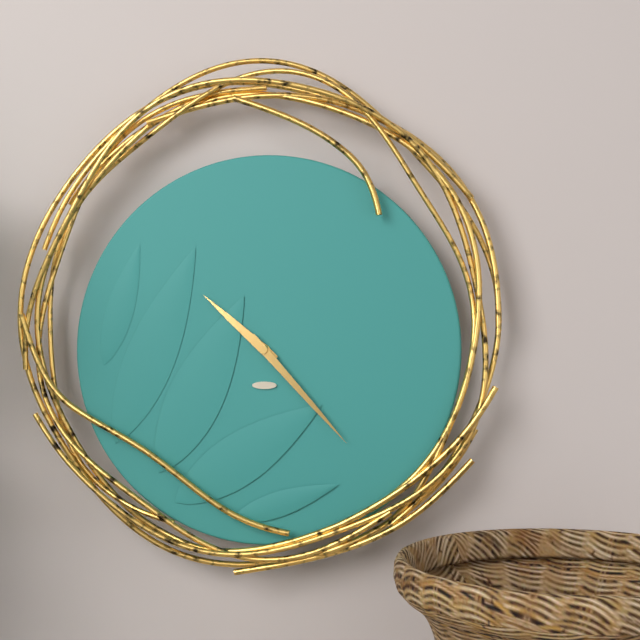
**10:23**
